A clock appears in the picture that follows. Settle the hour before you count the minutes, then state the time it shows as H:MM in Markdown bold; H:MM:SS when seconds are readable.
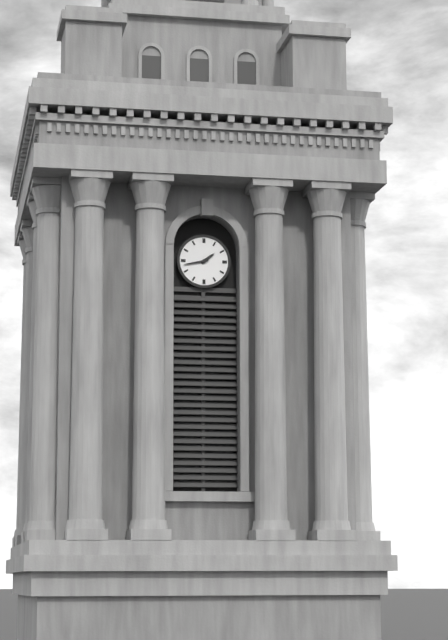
**1:43**
